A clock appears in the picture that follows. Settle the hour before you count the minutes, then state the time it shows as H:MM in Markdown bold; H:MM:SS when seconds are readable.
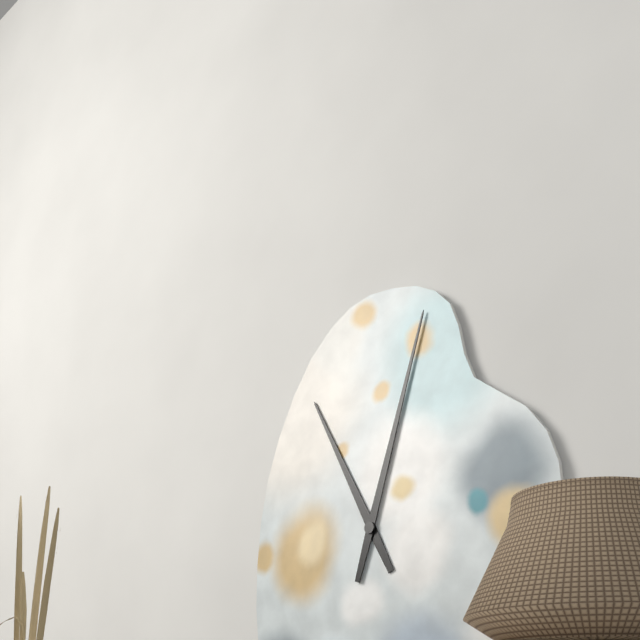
**11:03**
